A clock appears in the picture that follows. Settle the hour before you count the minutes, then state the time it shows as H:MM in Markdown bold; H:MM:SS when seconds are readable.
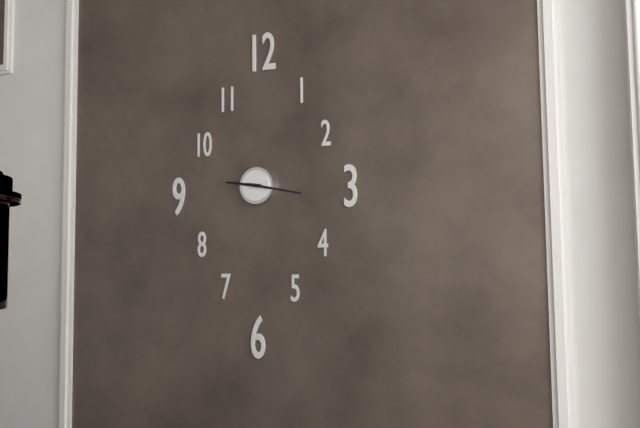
**9:17**
